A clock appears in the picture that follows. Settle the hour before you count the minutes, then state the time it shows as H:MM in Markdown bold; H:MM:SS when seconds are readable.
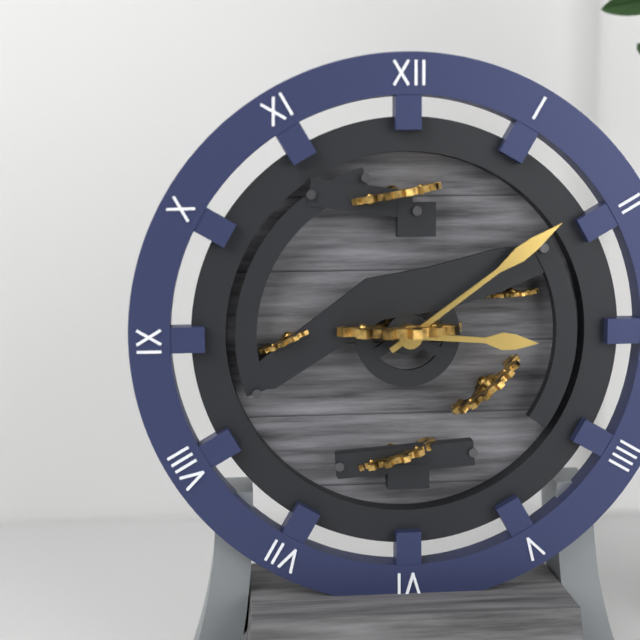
**3:09**
